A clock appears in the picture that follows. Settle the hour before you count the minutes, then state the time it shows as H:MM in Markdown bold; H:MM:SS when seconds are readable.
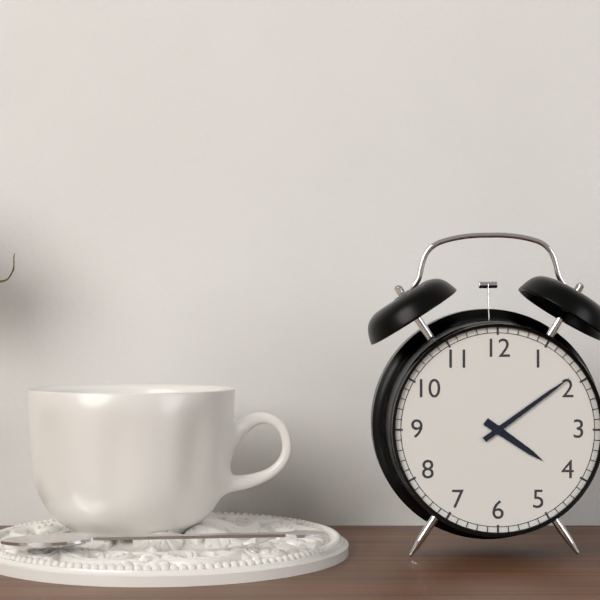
**4:09**
